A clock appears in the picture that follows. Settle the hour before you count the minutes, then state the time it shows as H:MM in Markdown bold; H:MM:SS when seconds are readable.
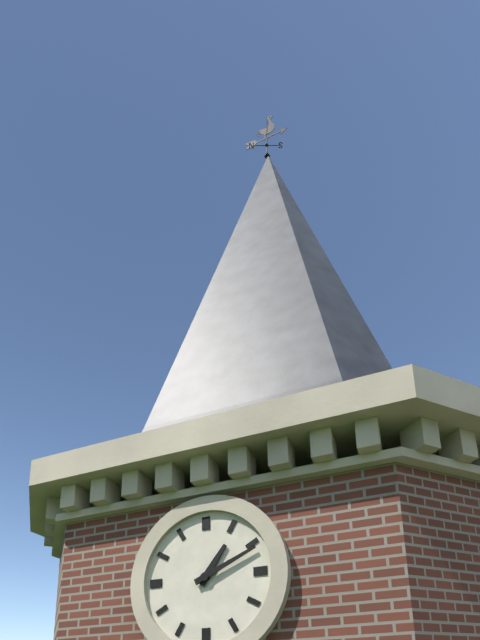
**1:11**
